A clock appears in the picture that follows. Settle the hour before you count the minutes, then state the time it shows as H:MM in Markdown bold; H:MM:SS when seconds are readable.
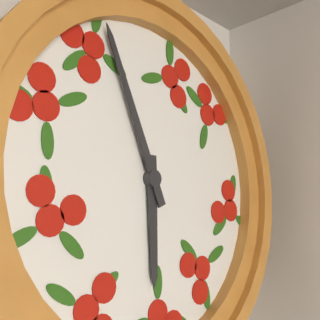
**5:56**
